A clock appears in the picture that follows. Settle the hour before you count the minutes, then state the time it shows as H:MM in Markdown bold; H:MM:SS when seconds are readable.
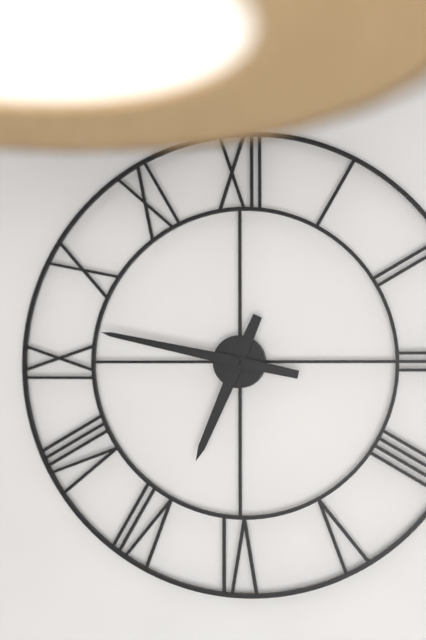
**6:47**
